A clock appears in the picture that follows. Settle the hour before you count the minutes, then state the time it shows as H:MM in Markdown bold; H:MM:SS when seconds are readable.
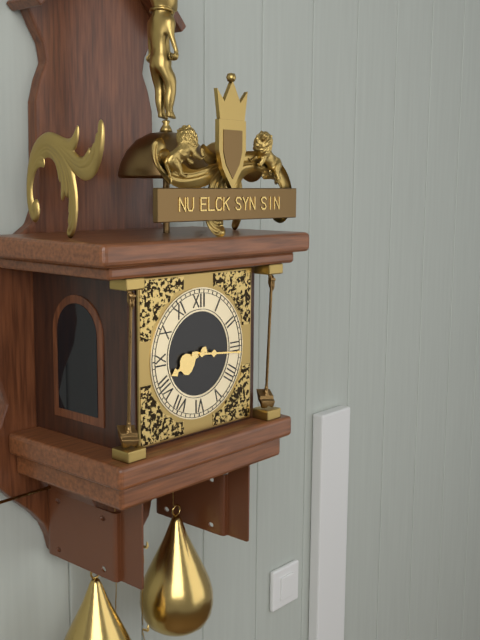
**8:16**
